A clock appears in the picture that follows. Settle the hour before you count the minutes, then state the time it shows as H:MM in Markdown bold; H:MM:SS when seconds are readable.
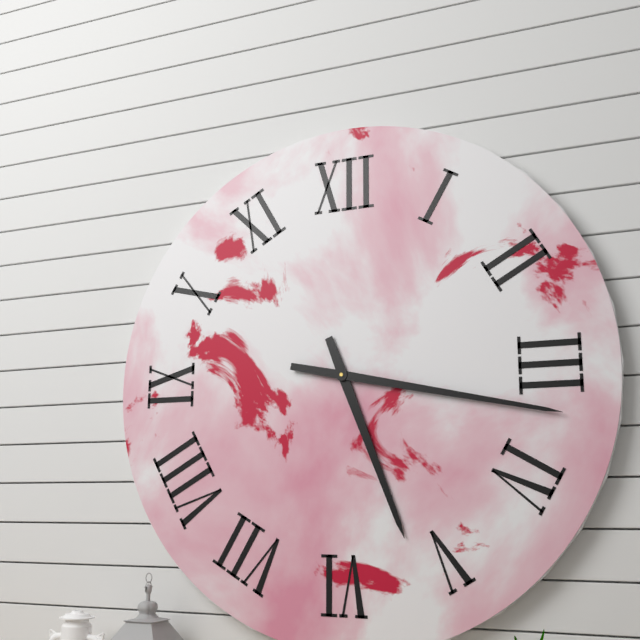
**5:17**
